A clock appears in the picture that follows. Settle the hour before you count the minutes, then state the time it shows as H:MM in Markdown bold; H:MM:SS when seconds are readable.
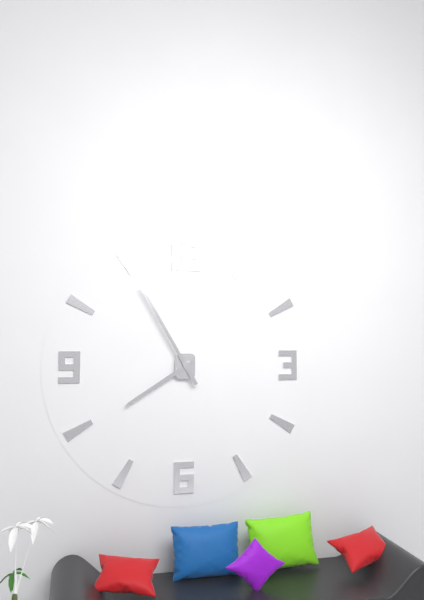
**7:55**
